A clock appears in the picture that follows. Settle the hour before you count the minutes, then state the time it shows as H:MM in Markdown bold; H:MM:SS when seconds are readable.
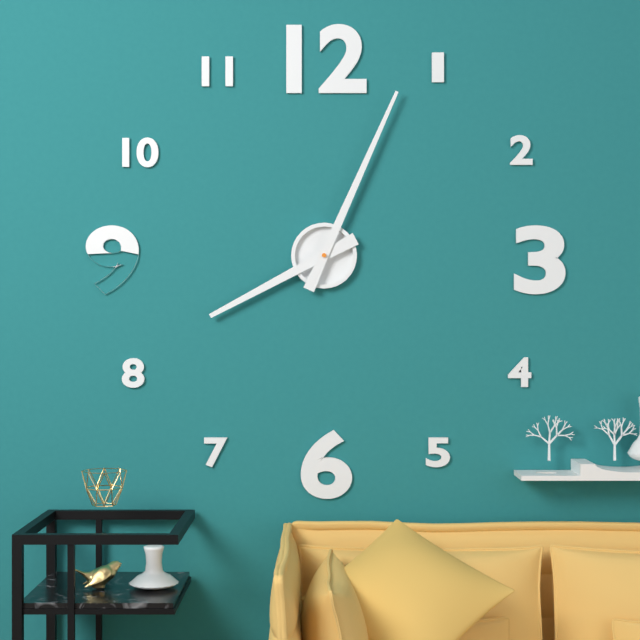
**8:04**
